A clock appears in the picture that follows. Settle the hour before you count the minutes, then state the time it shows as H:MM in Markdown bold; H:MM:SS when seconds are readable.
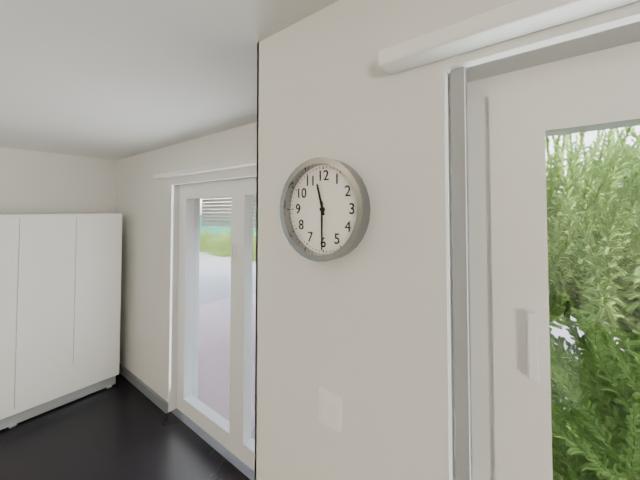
**11:30**
